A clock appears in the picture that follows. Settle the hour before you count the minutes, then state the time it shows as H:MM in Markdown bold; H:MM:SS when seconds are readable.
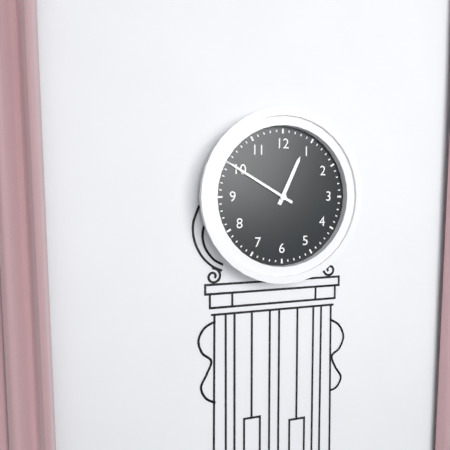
**12:50**
